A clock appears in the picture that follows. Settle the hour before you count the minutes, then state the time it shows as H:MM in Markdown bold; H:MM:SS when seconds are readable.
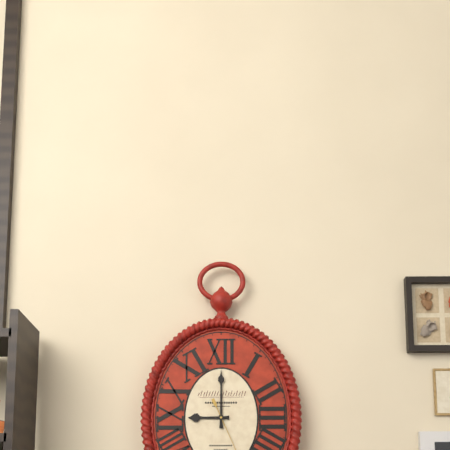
**9:00**
